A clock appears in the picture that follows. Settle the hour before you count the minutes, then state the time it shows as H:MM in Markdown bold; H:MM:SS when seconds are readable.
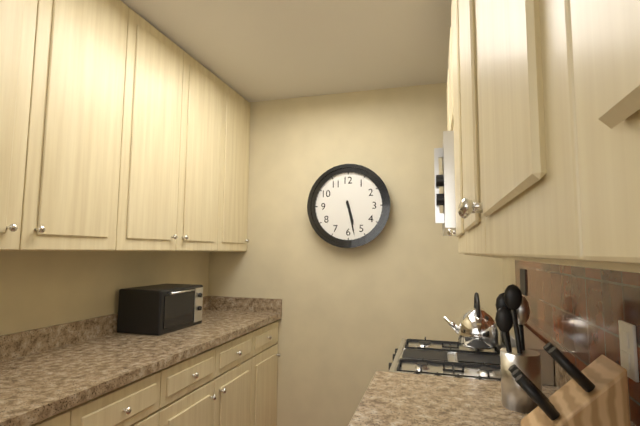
**5:28**
